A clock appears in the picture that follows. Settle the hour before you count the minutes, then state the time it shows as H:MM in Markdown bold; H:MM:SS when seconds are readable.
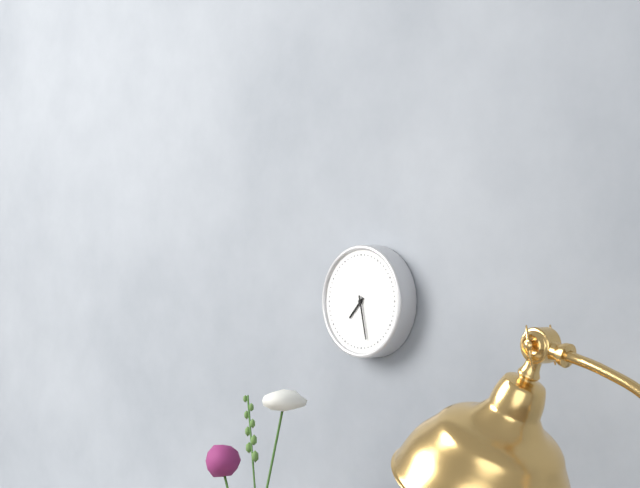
**7:28**
